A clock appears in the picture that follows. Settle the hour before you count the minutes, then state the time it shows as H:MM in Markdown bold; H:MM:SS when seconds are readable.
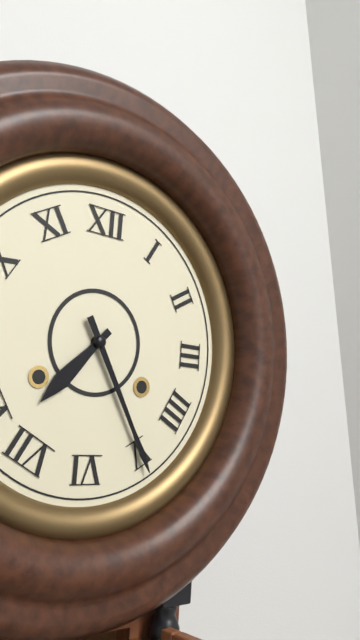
**7:25**
